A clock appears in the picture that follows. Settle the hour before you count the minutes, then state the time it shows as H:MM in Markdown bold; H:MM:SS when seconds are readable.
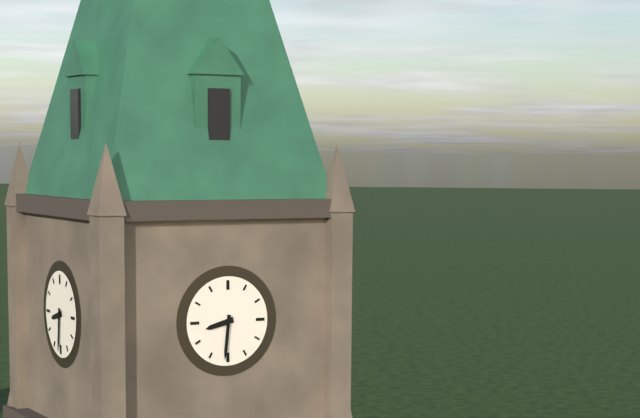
**8:31**
